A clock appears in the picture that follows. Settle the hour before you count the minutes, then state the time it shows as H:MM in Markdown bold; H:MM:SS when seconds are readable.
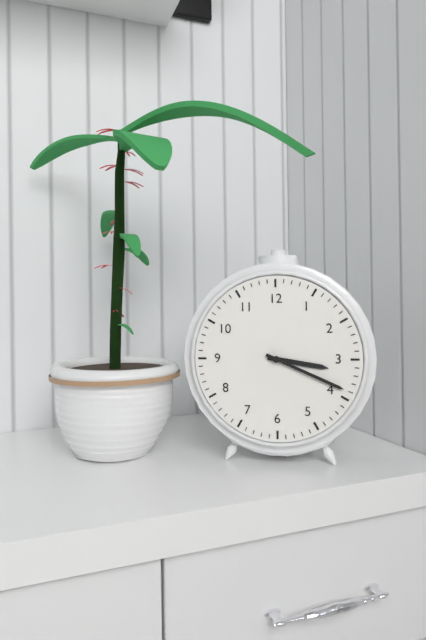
**3:19**
